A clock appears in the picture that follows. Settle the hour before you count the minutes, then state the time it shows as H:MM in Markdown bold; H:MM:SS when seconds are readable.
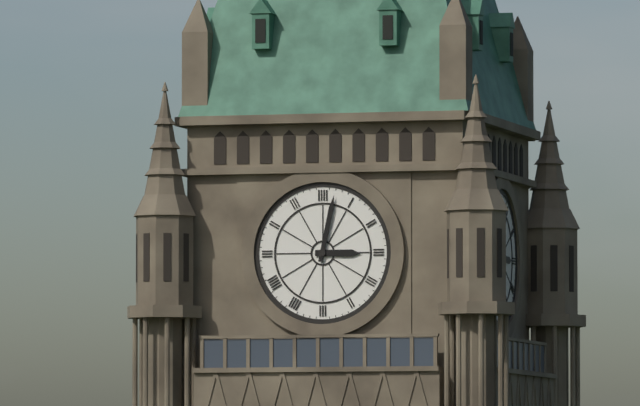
**3:02**
